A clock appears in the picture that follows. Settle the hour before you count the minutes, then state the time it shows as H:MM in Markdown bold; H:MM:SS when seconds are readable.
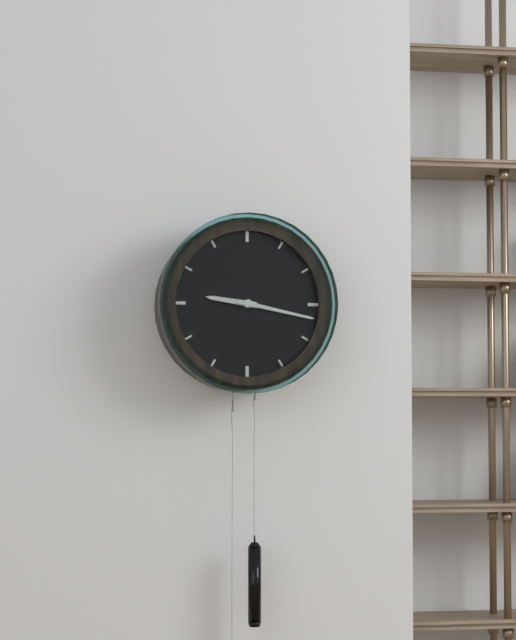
**9:17**
